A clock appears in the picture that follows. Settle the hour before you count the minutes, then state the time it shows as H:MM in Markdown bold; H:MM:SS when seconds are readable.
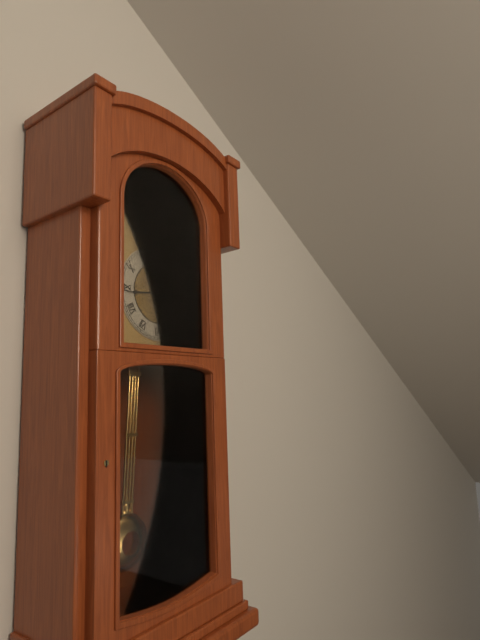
**12:44**
